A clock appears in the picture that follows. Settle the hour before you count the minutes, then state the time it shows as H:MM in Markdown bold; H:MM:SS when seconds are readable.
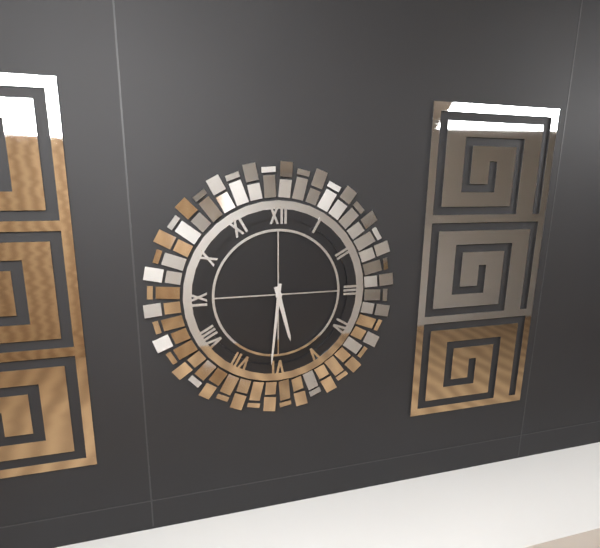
**5:31**
